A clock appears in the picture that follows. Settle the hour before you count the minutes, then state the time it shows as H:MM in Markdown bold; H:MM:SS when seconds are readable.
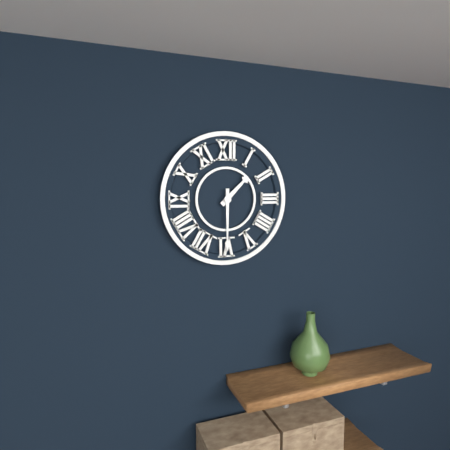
**1:30**
